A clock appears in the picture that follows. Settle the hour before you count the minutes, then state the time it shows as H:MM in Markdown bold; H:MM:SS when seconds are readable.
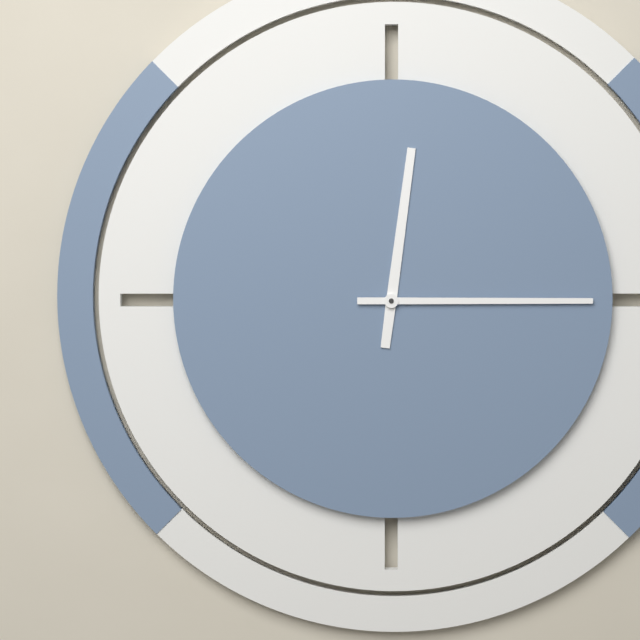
**12:15**
